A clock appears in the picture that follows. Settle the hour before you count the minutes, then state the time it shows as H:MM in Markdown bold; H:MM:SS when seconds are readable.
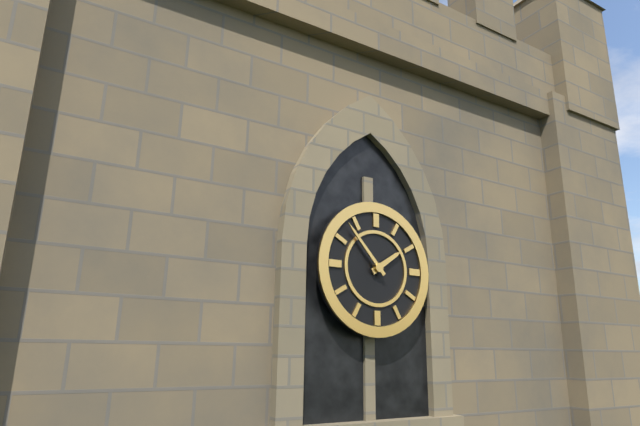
**1:53**
